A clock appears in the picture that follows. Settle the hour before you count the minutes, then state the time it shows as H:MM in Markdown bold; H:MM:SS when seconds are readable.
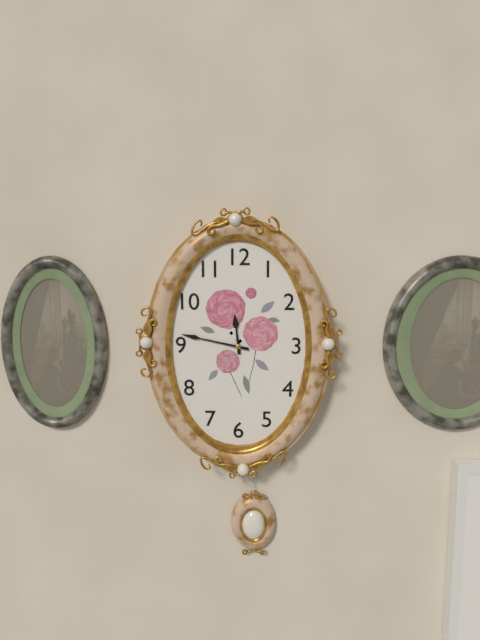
**11:47**
